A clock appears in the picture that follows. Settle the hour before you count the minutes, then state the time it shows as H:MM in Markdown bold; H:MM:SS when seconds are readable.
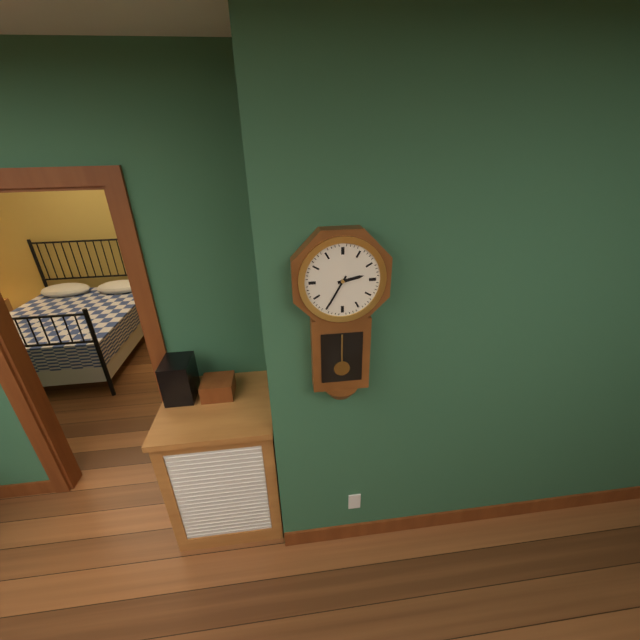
**2:35**
